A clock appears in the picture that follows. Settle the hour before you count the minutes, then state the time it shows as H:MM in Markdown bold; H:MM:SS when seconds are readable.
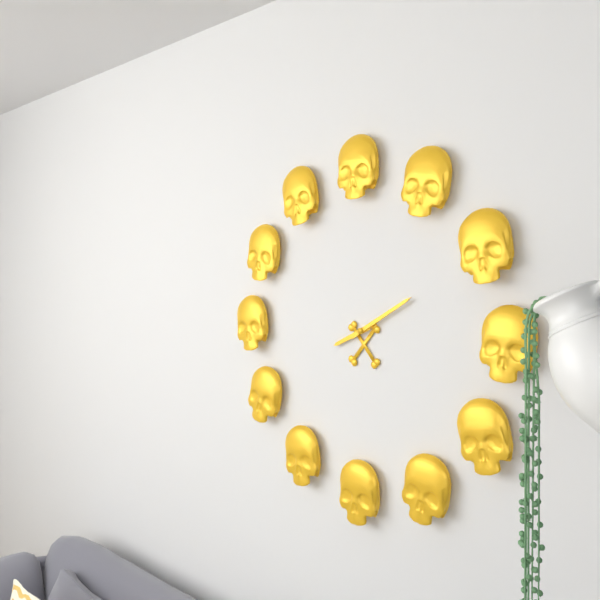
**8:10**
